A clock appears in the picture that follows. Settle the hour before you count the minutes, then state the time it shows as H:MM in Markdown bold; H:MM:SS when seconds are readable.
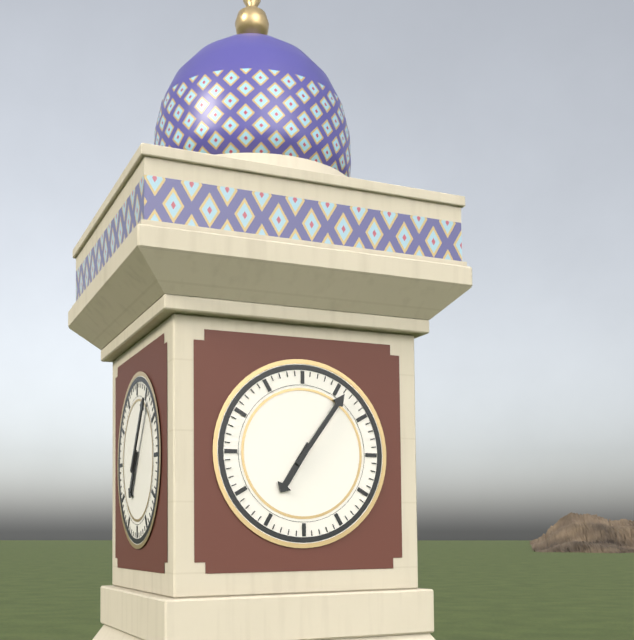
**7:06**
